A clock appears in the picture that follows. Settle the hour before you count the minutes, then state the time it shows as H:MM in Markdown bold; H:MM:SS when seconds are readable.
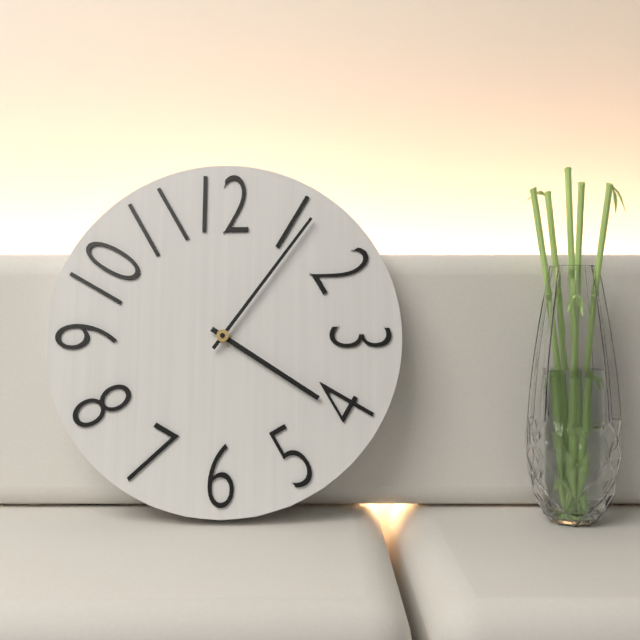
**4:06**
